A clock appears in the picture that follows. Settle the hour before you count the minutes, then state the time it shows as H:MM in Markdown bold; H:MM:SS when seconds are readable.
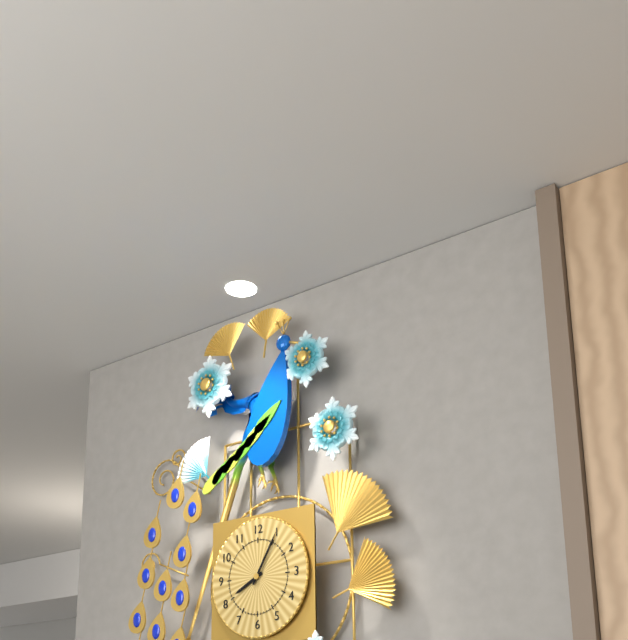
**8:05**
